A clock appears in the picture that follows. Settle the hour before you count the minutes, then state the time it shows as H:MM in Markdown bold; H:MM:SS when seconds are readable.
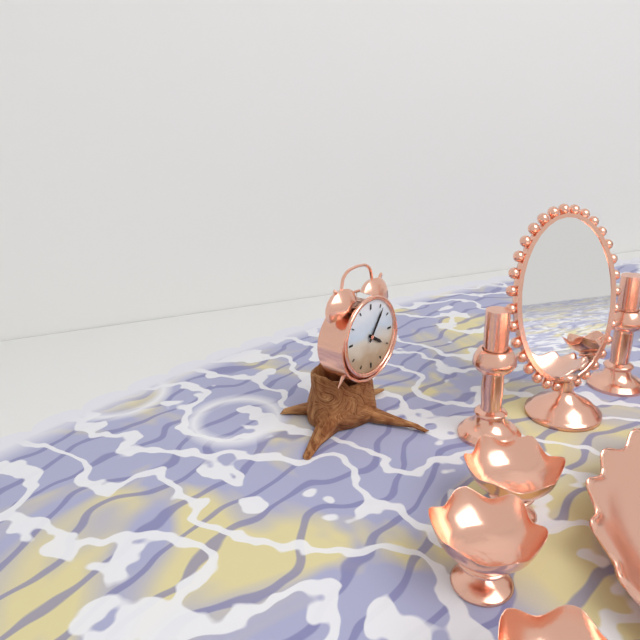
**4:06**
